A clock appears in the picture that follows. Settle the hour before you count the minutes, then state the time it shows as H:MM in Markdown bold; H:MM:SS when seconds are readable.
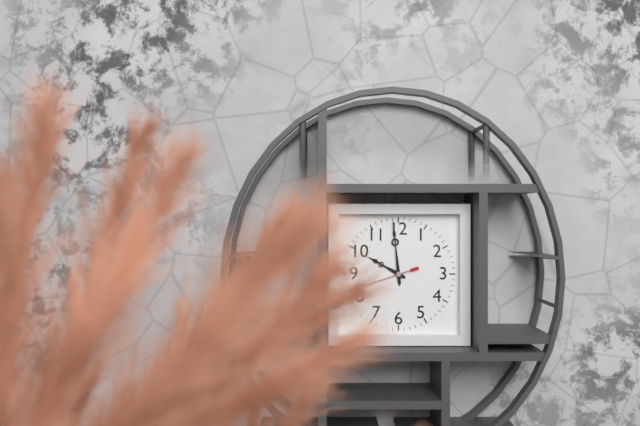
**9:59**
